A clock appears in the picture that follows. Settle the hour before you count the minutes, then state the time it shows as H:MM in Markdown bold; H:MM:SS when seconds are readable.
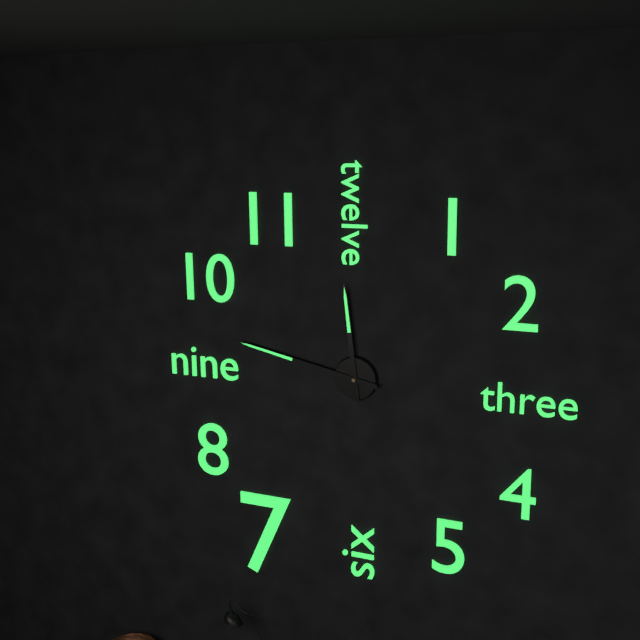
**11:47**
